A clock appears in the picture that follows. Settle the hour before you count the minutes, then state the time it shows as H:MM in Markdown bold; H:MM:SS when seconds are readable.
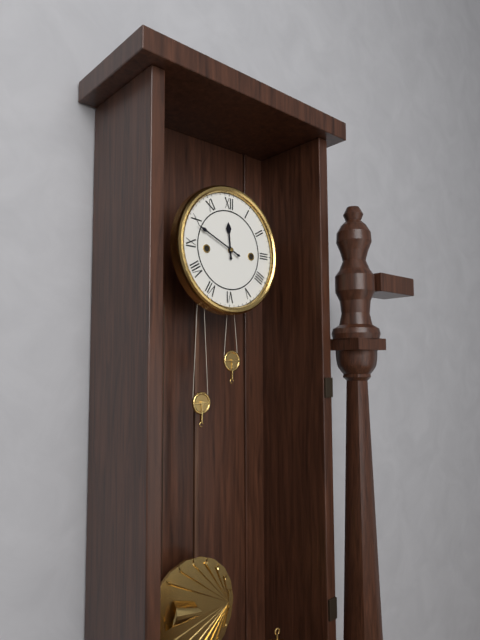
**11:49**
